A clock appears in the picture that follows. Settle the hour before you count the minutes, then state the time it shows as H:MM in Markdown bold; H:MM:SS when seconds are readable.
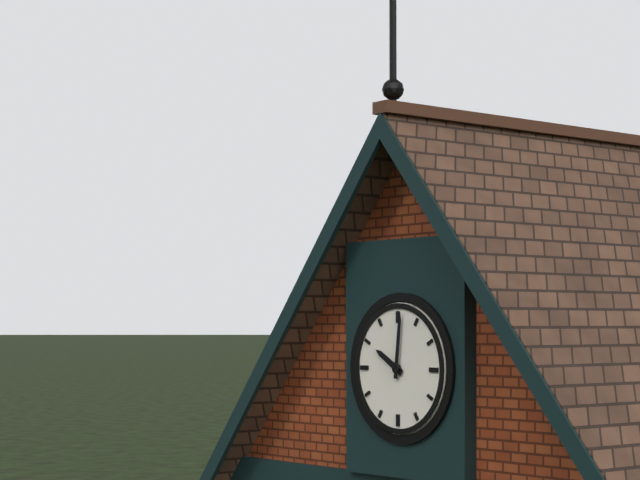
**10:01**
